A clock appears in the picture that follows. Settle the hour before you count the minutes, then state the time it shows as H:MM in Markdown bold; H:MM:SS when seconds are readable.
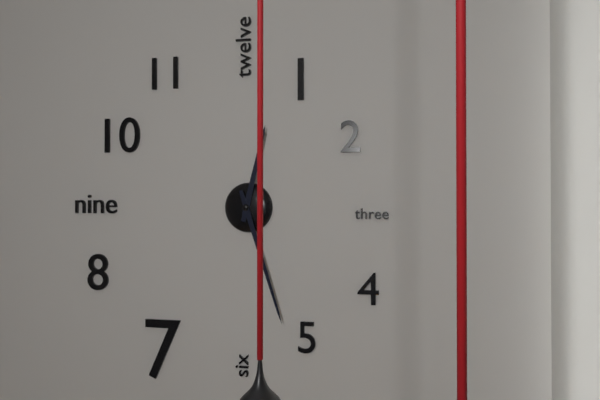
**12:27**
